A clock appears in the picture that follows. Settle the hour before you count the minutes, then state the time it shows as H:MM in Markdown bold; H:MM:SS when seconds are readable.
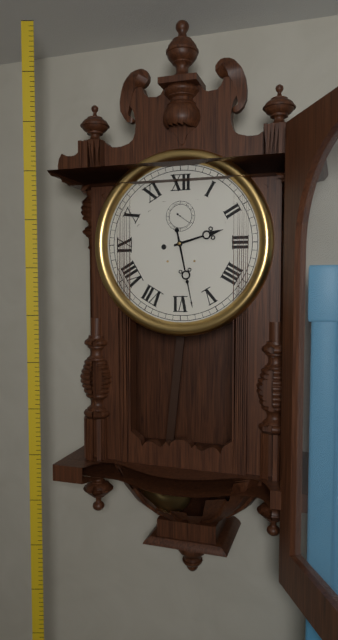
**2:28**
